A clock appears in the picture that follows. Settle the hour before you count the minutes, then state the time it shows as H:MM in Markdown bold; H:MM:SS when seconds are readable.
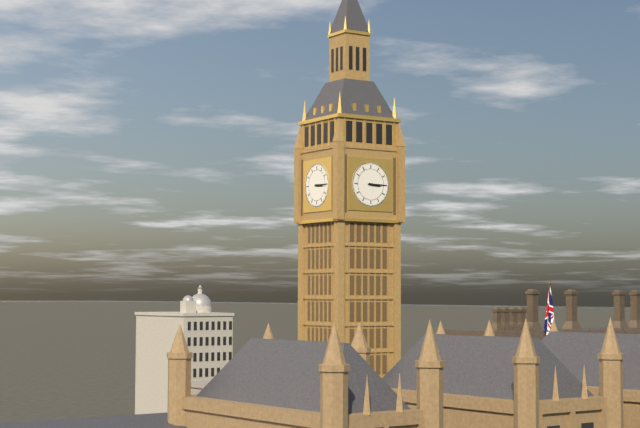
**3:15**
